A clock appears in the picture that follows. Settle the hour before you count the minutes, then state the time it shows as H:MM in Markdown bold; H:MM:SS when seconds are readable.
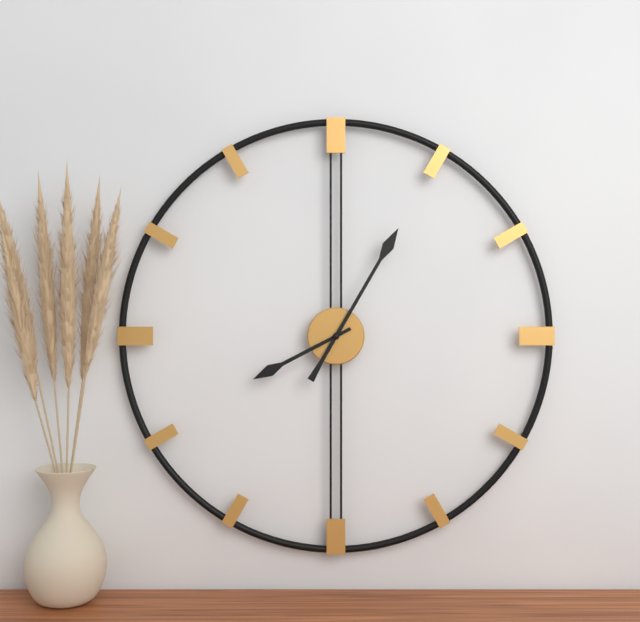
**8:05**
